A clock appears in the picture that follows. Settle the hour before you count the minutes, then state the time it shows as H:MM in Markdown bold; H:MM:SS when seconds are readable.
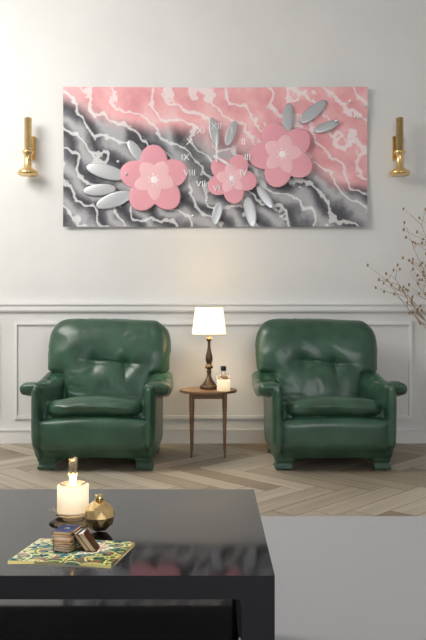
**4:00**
